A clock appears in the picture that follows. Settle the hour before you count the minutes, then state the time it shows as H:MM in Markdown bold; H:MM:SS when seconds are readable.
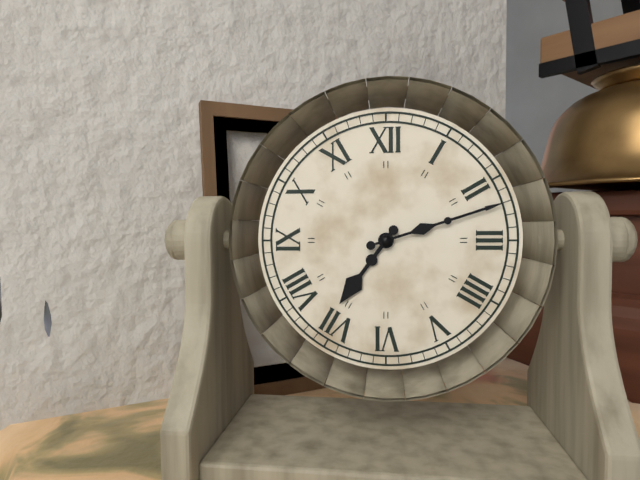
**7:12**
